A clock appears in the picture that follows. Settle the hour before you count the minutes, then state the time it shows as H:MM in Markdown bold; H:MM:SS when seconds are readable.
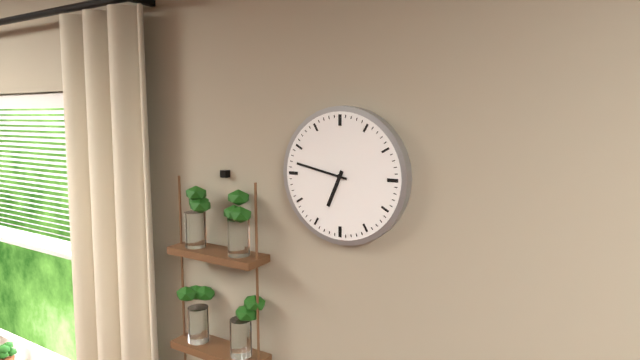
**6:47**
